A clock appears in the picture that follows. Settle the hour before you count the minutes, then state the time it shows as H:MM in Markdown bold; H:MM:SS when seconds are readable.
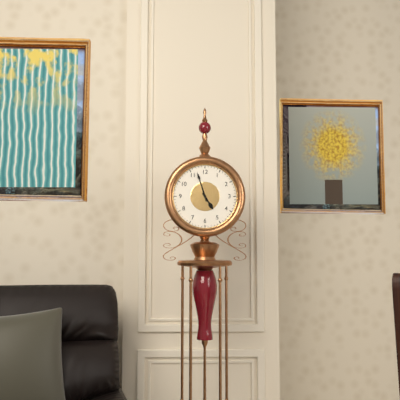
**4:57**
